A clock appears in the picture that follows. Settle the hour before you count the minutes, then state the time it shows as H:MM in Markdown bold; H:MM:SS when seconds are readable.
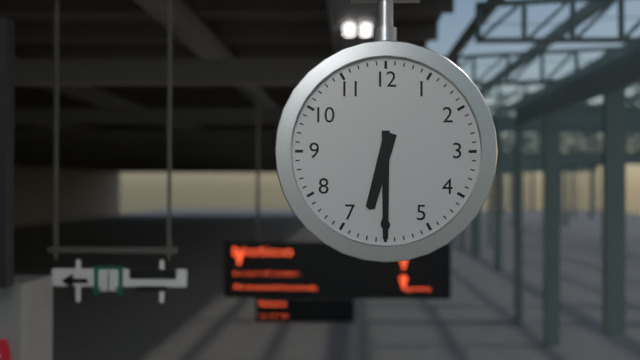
**6:30**
